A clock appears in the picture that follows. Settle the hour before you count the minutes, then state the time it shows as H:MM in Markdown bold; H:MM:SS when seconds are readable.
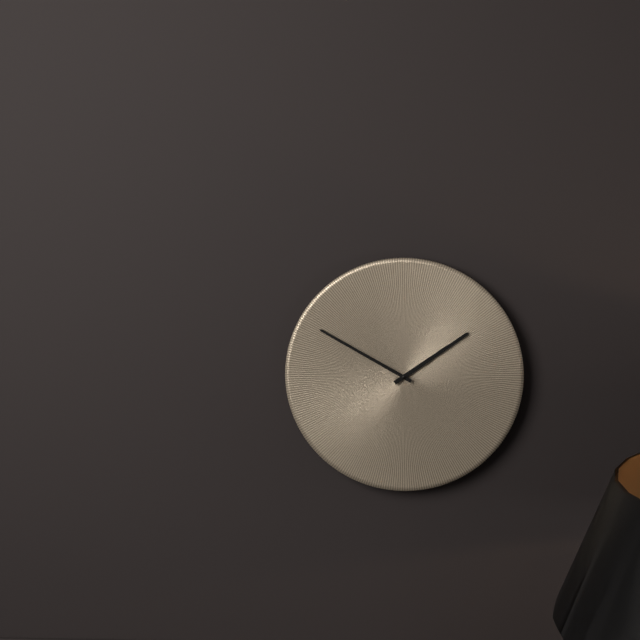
**1:50**
